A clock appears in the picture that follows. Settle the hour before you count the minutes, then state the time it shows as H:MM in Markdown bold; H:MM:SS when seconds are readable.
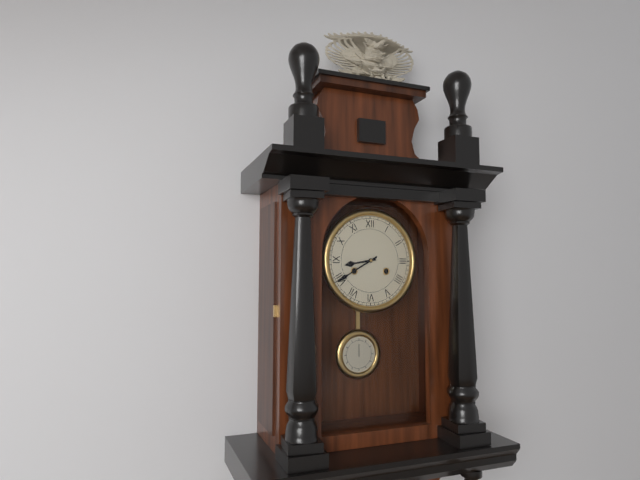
**8:40**
